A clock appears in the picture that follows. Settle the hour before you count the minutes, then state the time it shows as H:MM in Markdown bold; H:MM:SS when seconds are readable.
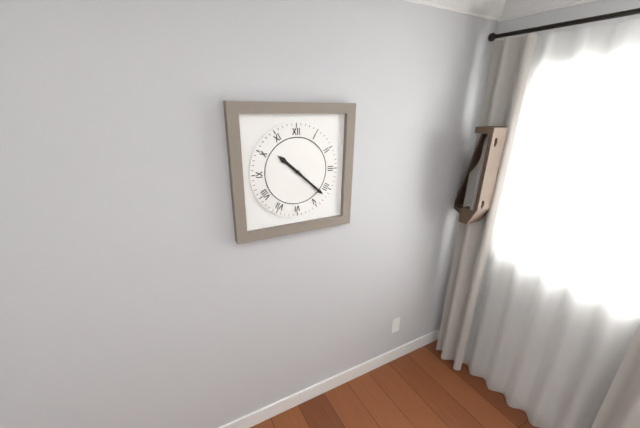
**10:22**
